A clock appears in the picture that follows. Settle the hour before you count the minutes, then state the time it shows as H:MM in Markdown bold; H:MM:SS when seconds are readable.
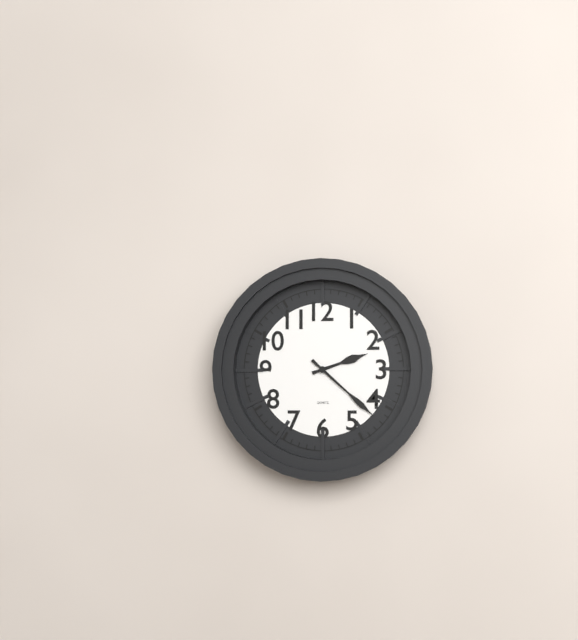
**2:22**
